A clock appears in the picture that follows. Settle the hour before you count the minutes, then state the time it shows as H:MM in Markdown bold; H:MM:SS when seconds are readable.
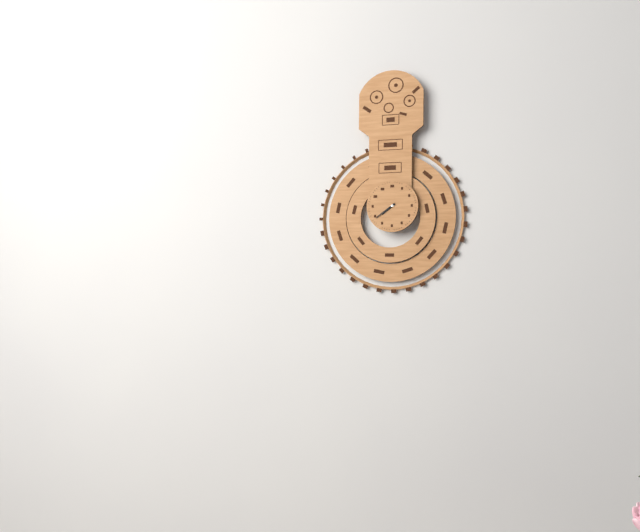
**7:39**
